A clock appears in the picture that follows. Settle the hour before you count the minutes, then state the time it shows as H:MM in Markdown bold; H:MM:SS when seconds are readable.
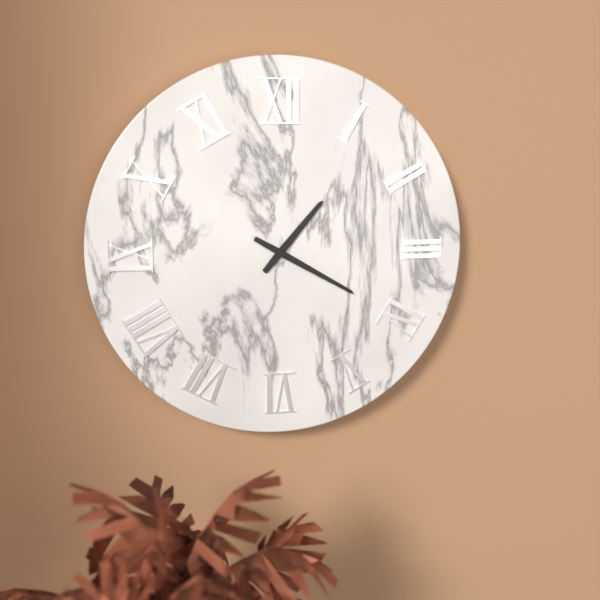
**1:20**
